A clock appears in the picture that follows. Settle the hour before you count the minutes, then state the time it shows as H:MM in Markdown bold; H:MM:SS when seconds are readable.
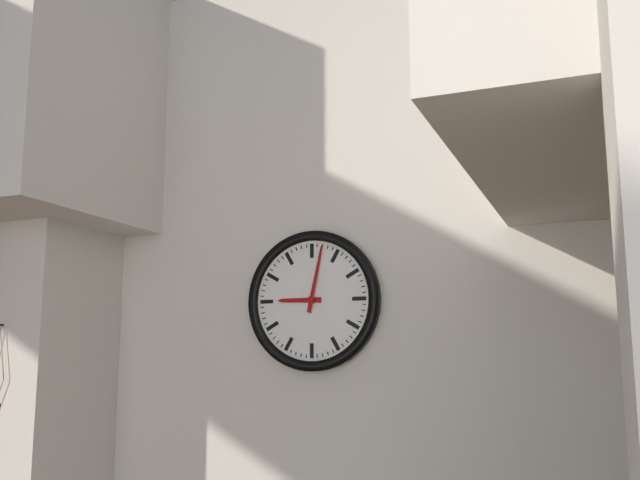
**9:02**
